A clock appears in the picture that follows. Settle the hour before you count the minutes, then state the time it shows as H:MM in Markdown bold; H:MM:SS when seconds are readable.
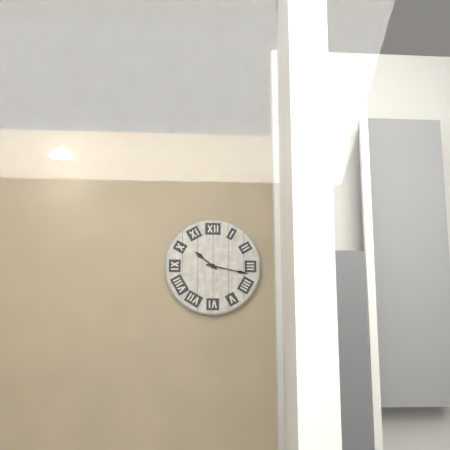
**10:17**
